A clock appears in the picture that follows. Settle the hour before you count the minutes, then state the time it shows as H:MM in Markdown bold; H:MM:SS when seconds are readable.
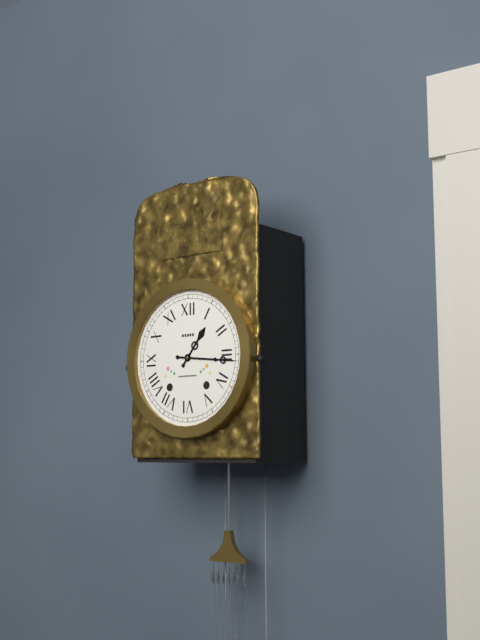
**1:16**
